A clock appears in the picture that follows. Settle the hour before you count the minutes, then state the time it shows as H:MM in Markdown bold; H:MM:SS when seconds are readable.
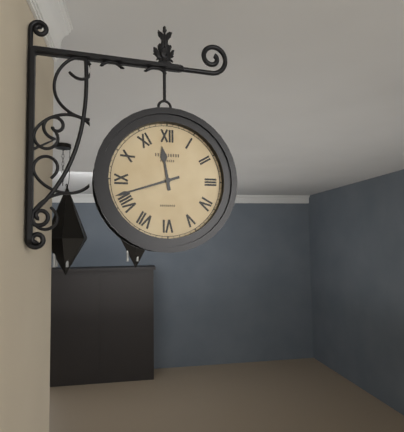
**11:42**
